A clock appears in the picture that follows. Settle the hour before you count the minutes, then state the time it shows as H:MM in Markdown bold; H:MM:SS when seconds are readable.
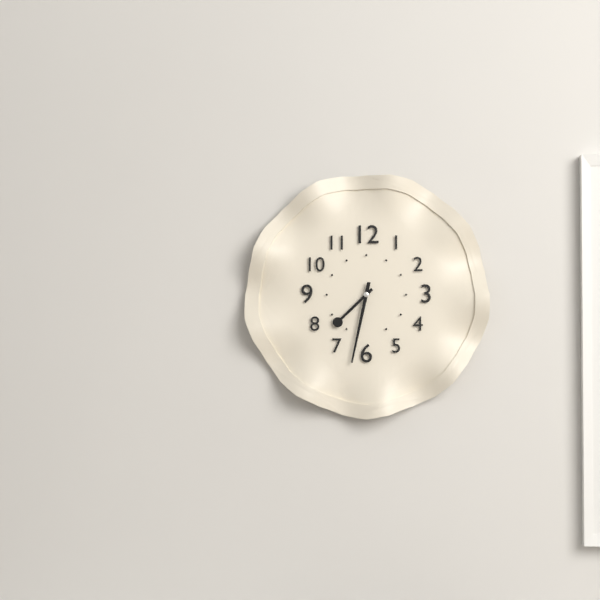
**7:32**
